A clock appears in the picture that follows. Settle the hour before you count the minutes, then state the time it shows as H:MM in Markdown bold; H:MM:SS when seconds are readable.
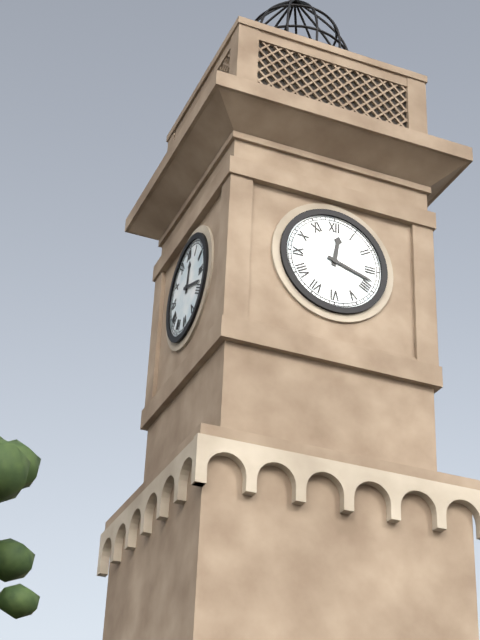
**12:18**
